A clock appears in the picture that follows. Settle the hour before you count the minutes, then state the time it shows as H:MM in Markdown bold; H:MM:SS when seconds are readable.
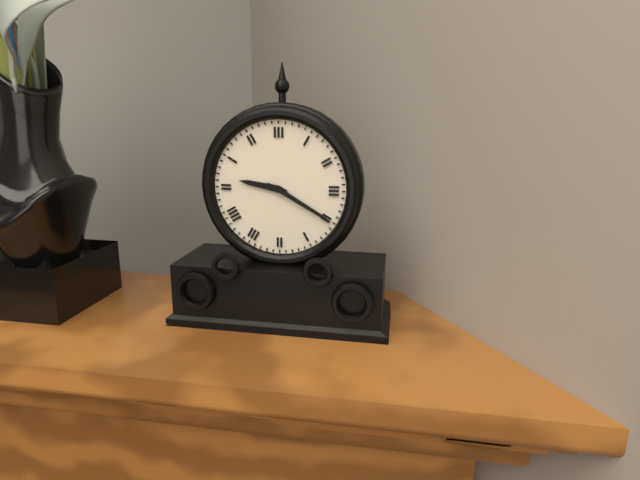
**9:20**
